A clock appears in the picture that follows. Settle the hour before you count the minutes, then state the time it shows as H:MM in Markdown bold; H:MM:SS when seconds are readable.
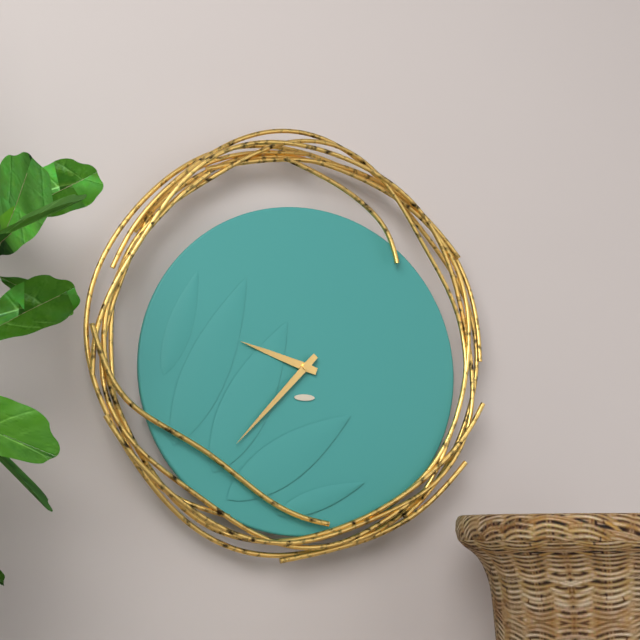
**9:37**
